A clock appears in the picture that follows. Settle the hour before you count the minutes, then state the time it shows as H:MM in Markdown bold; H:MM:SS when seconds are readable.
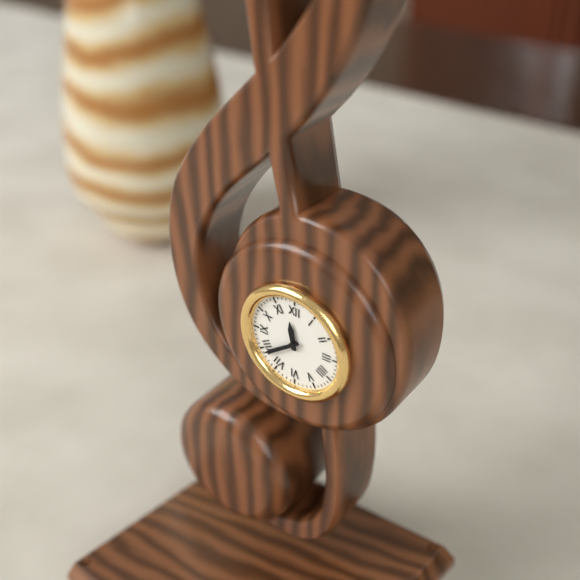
**11:39**
